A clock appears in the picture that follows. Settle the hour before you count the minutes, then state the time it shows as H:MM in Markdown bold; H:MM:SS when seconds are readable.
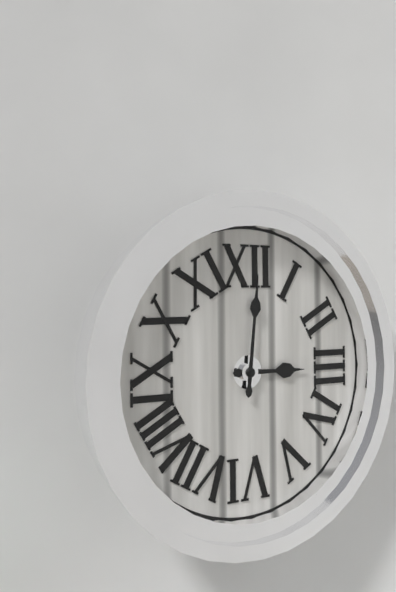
**3:01**
